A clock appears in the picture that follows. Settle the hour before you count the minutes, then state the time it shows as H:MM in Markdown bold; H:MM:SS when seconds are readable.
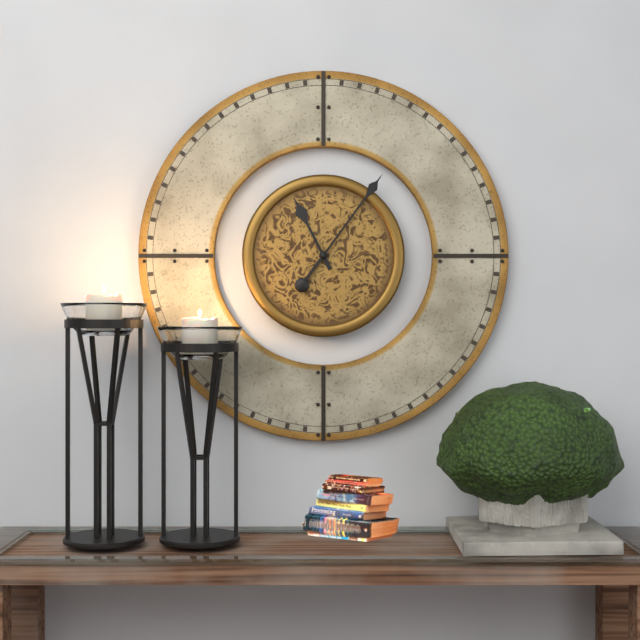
**11:06**
